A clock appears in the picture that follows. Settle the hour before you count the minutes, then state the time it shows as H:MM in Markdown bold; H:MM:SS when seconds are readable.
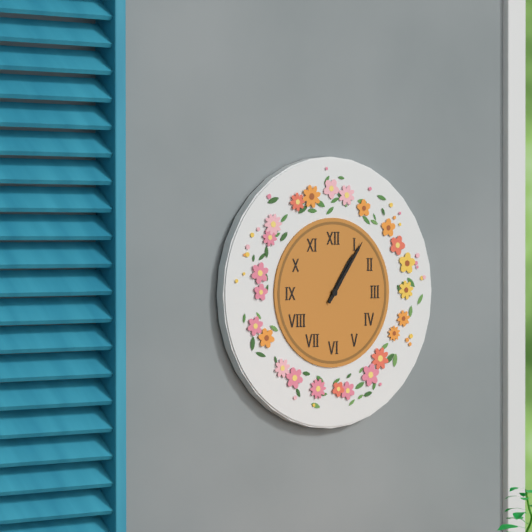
**1:06**
